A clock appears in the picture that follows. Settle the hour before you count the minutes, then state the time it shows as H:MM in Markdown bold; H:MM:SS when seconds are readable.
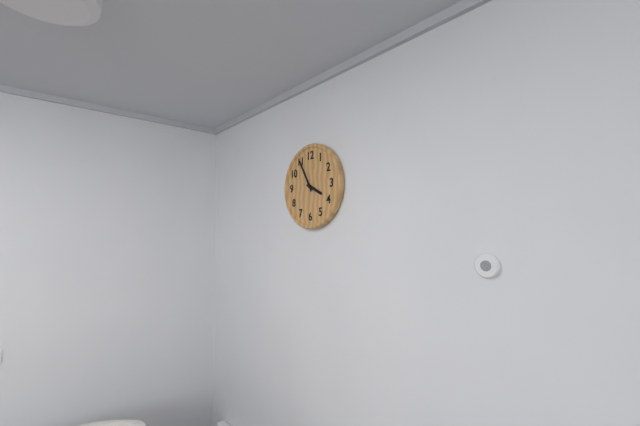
**3:55**
